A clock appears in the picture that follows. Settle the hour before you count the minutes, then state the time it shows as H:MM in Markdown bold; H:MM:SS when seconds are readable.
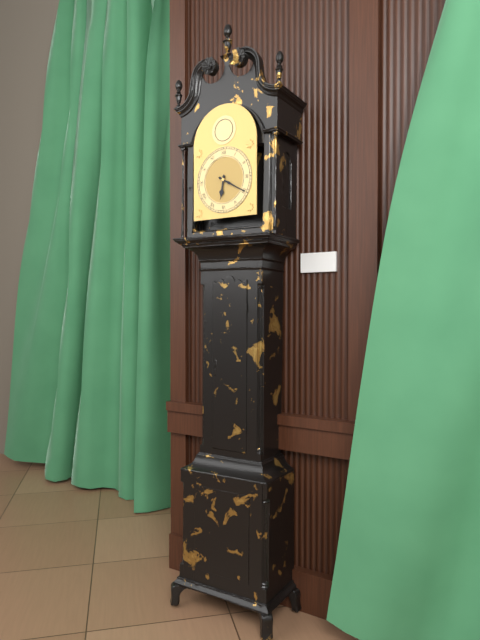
**6:20**
